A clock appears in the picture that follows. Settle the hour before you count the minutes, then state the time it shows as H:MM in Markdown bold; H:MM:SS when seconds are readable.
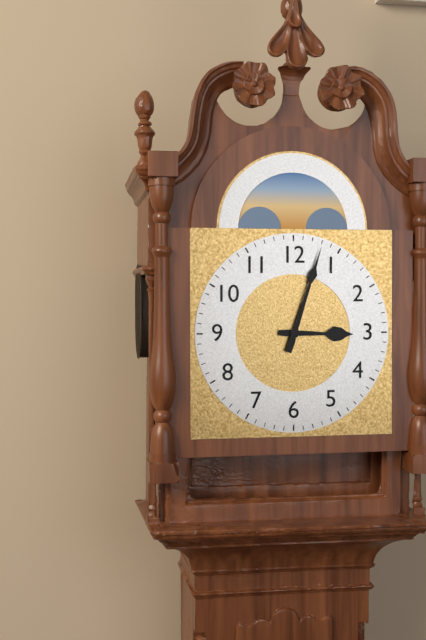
**3:03**
